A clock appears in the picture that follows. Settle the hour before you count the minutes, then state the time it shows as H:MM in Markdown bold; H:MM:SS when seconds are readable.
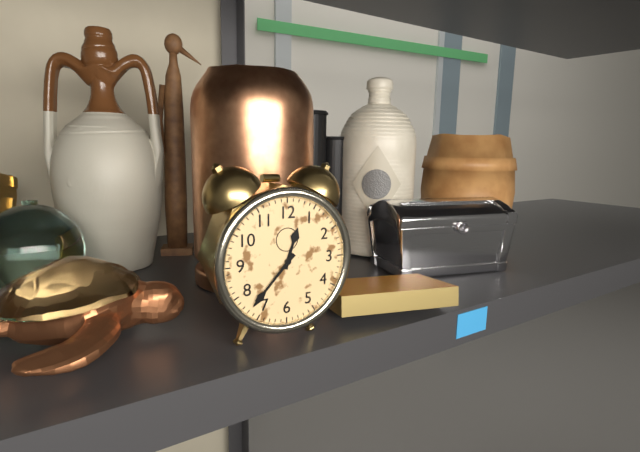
**12:37**
